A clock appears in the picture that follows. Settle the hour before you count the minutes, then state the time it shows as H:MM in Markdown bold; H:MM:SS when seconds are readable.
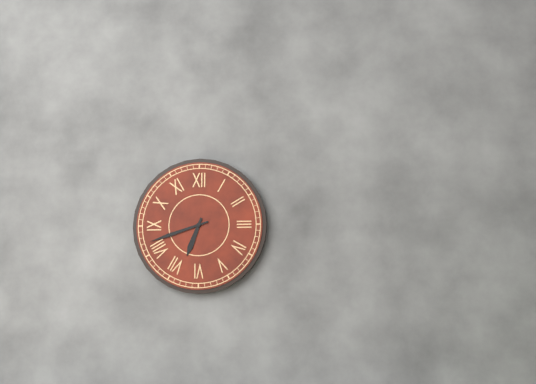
**6:42**
